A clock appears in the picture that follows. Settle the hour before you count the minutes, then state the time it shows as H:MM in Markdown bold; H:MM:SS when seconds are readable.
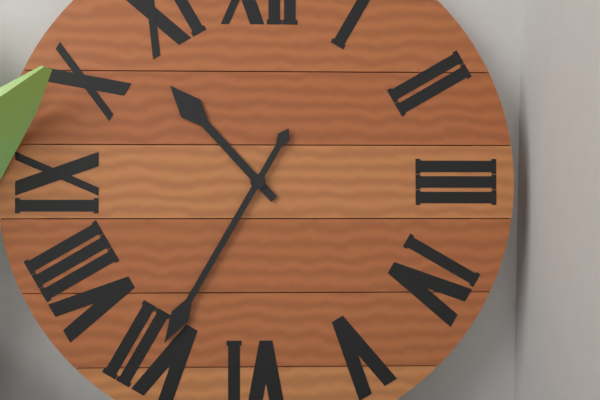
**10:35**
